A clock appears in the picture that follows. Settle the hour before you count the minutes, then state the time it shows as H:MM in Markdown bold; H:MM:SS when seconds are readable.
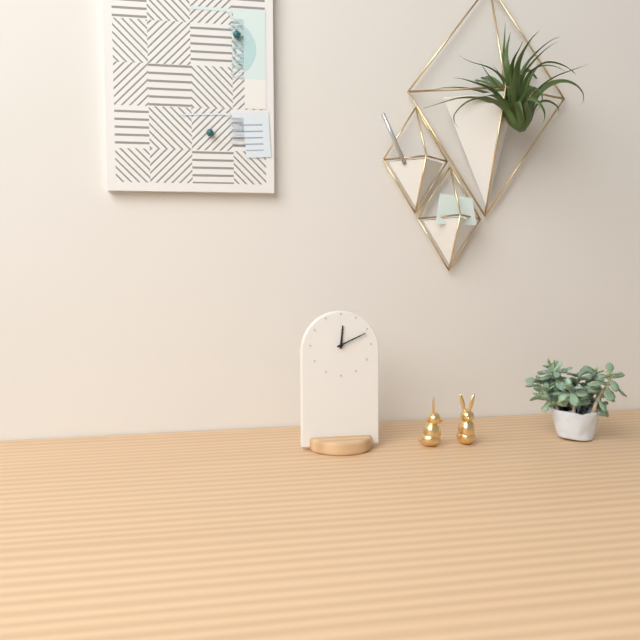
**12:11**
